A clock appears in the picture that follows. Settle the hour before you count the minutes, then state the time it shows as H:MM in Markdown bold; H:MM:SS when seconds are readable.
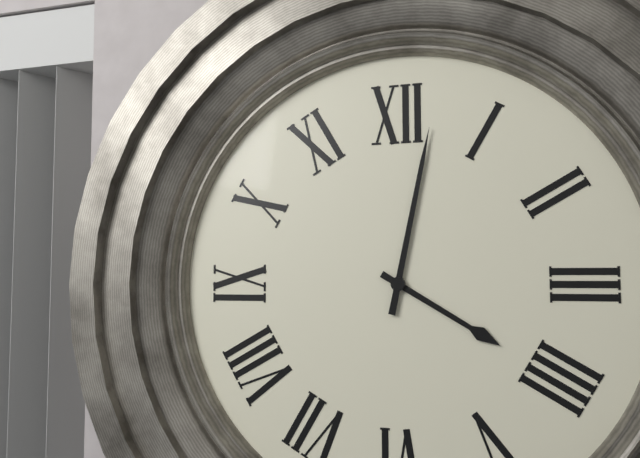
**4:02**
